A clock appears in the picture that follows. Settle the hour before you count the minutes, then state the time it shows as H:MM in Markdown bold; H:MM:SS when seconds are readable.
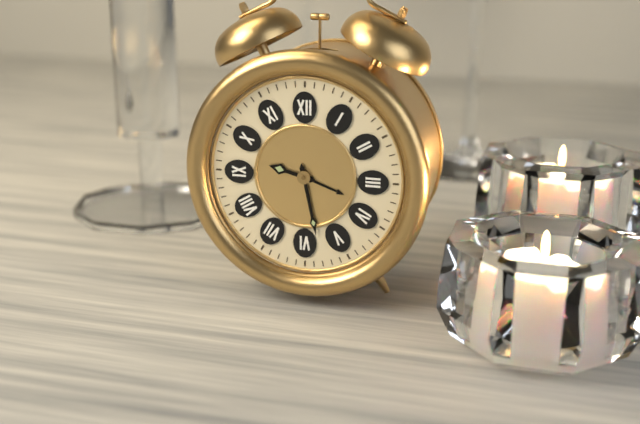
**9:28**
